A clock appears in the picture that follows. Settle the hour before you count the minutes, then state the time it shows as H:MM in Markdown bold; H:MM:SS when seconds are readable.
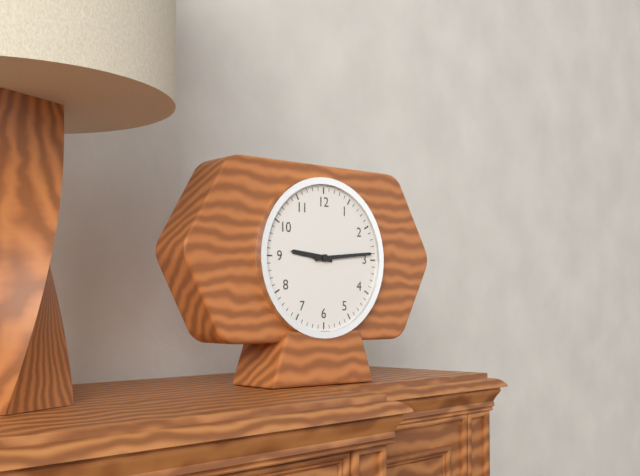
**9:14**
